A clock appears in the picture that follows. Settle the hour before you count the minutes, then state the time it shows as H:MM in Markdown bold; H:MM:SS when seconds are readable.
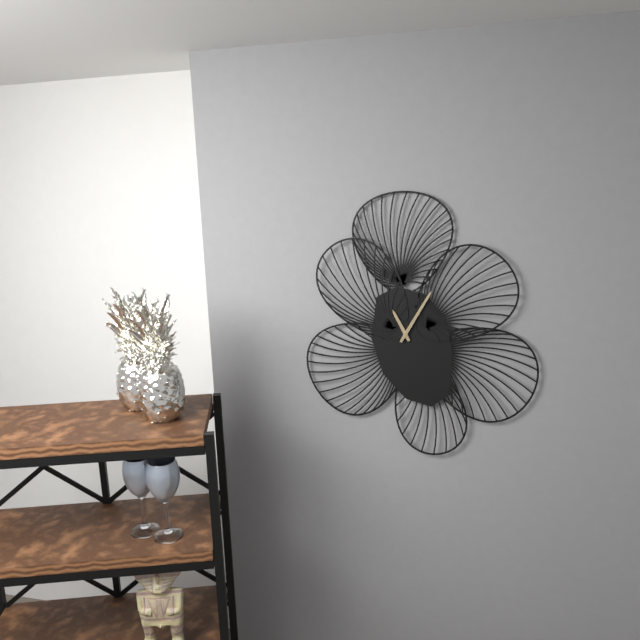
**11:05**
